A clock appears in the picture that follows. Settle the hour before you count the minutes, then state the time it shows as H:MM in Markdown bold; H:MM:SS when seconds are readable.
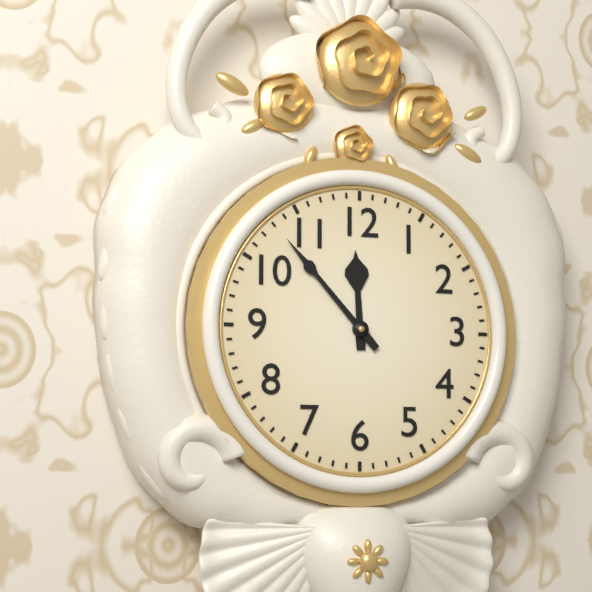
**11:53**
